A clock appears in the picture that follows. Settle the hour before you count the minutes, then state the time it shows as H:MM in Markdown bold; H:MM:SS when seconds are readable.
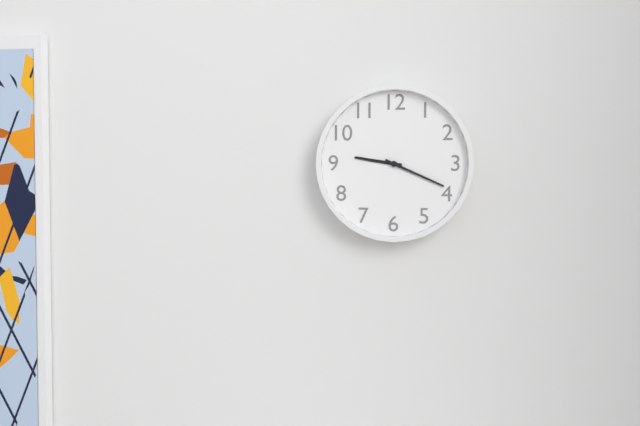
**9:19**
